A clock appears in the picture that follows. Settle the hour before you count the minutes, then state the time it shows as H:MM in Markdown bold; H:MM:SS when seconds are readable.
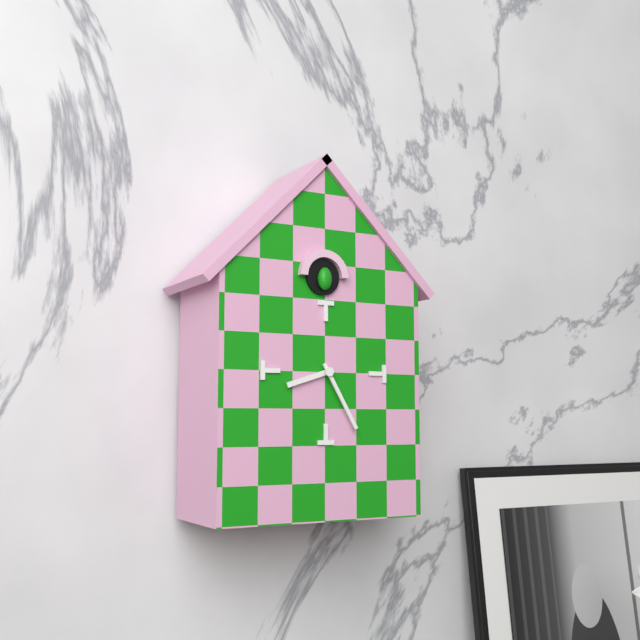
**8:25**
